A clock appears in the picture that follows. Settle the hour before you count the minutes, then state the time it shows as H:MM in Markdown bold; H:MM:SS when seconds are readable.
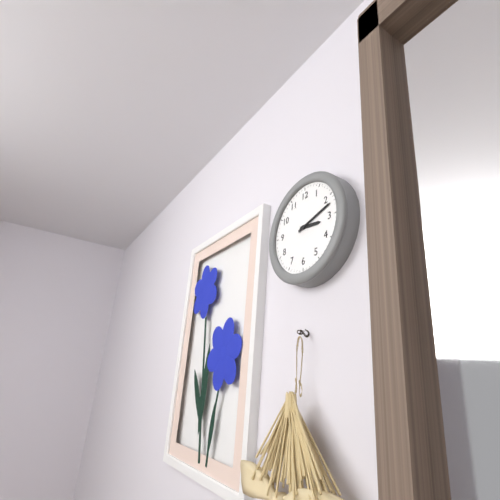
**3:12**
